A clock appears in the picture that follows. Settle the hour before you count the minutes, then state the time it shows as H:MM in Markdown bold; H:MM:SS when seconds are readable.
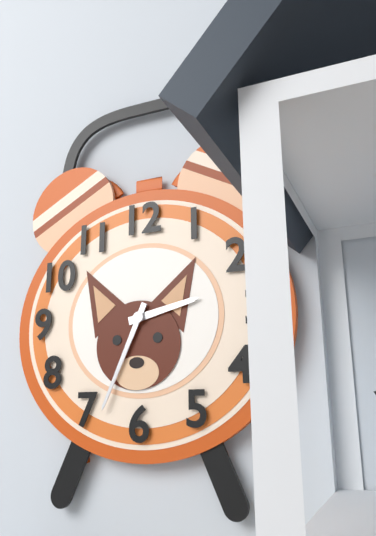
**2:34**
